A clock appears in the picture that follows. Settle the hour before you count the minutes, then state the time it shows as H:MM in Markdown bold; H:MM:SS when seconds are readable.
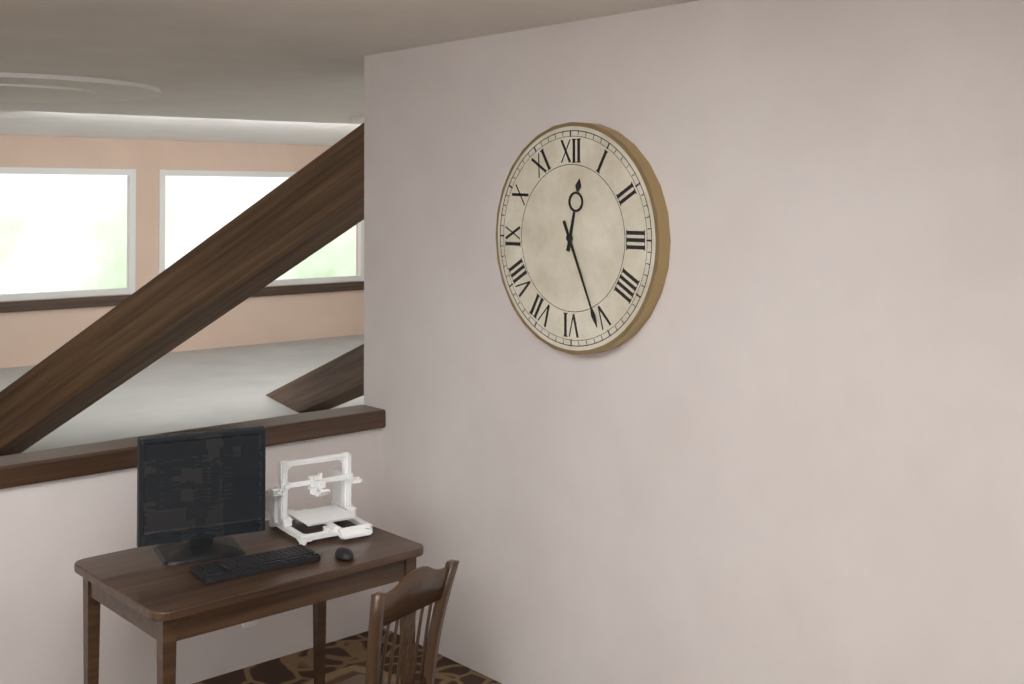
**12:26**
